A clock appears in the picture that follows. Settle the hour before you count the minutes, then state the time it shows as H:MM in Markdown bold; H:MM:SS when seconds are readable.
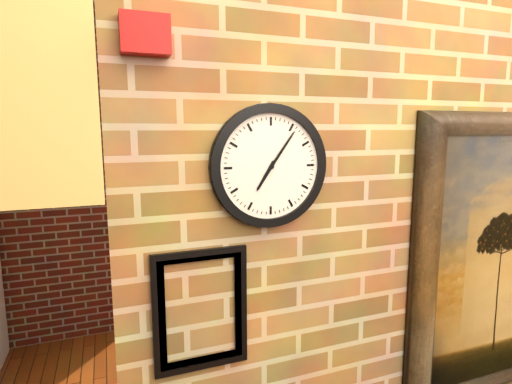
**7:06**
